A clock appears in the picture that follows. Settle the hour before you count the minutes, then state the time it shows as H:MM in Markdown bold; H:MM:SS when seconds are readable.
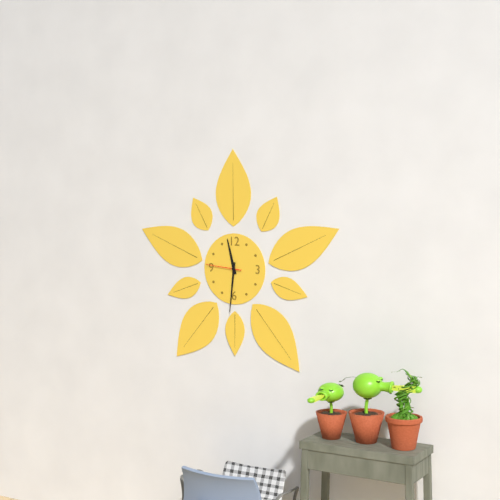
**11:31**
